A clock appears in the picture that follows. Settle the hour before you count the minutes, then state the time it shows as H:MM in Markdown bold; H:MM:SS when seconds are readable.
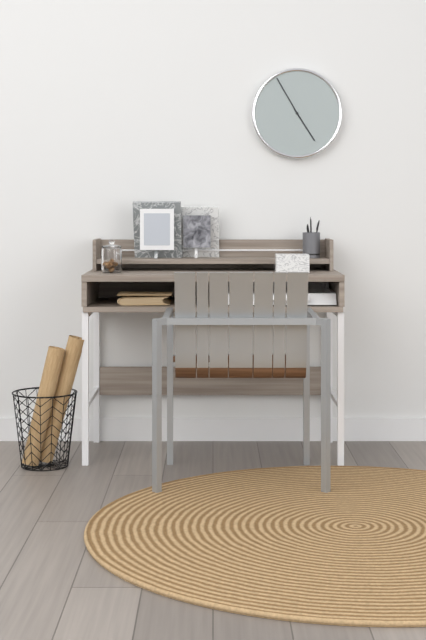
**4:55**
